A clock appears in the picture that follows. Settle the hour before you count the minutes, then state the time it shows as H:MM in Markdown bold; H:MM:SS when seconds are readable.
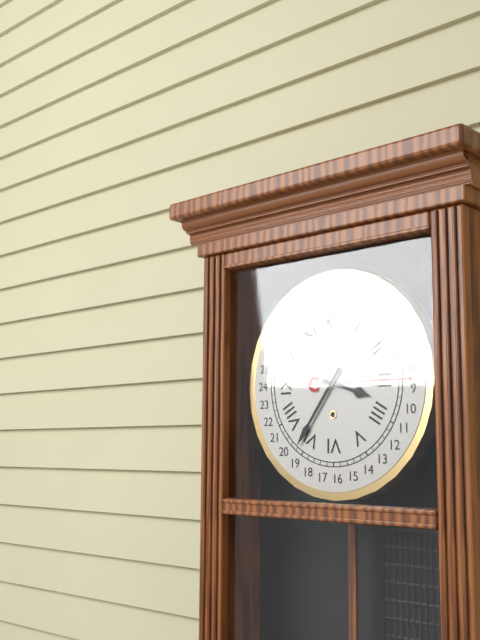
**3:36**
